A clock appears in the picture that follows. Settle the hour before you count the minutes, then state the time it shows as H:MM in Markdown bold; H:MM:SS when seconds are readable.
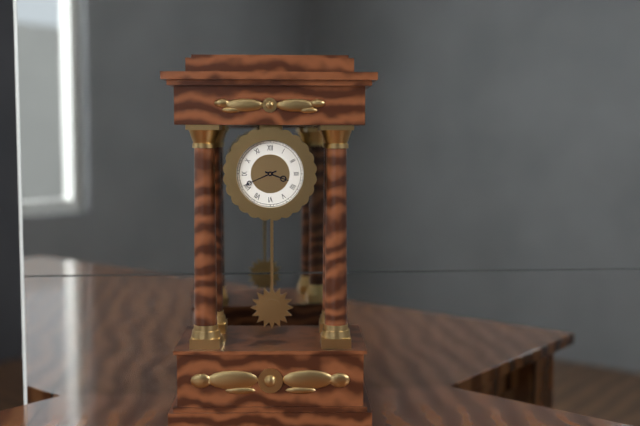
**3:41**
